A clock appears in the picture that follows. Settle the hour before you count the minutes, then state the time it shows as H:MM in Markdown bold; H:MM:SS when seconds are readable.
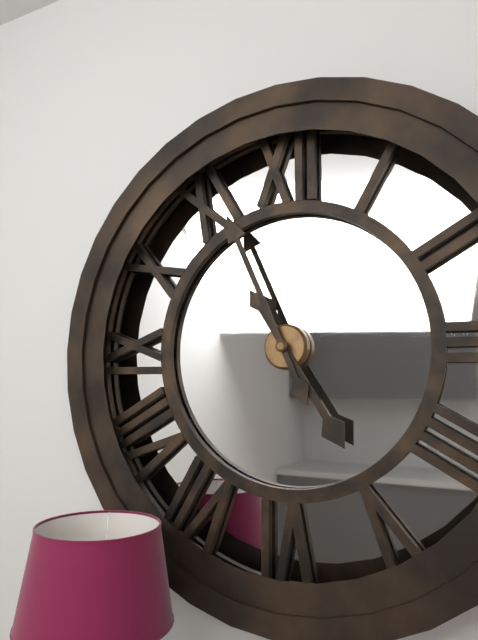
**4:56**
